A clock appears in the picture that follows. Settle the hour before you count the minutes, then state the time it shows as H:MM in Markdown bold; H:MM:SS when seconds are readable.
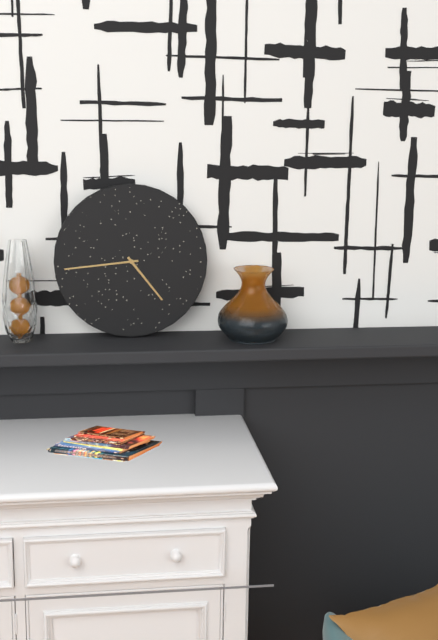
**4:44**
